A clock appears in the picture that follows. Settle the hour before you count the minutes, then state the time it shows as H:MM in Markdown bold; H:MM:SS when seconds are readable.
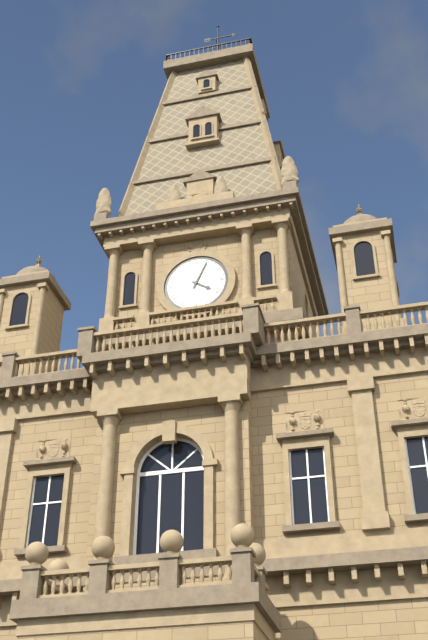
**4:04**
